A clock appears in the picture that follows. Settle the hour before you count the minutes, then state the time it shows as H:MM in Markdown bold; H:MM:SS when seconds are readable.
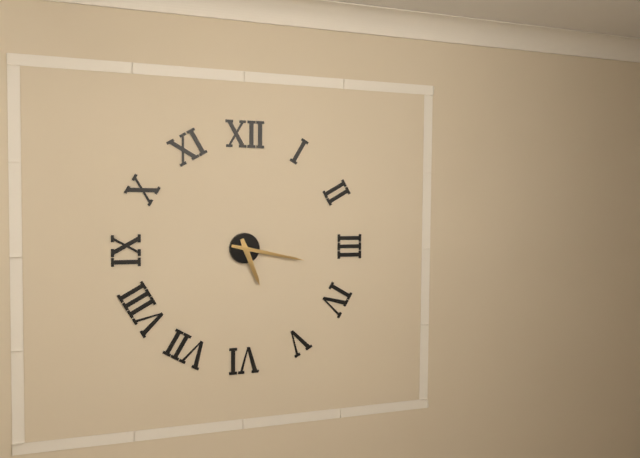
**5:17**
